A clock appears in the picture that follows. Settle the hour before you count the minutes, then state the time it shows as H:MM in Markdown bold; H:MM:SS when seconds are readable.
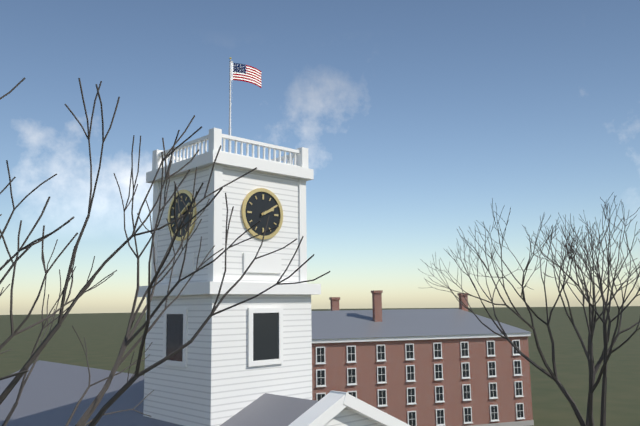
**2:10**
